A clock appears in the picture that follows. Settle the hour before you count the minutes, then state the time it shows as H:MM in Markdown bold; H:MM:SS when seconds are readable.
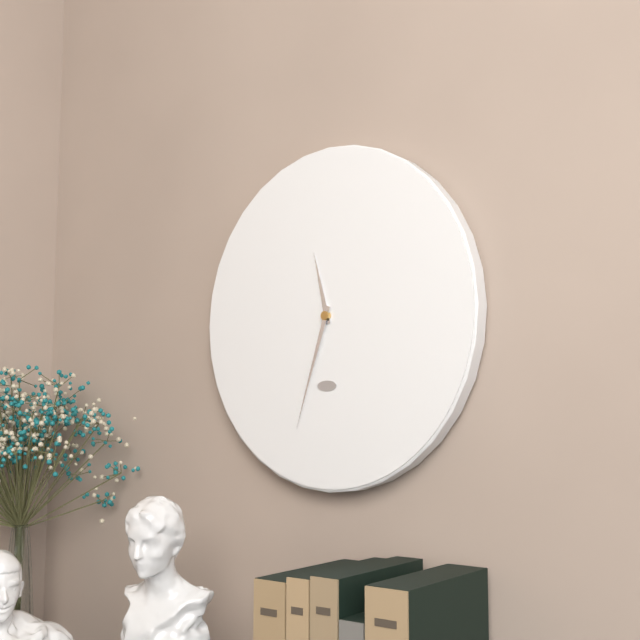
**11:33**
